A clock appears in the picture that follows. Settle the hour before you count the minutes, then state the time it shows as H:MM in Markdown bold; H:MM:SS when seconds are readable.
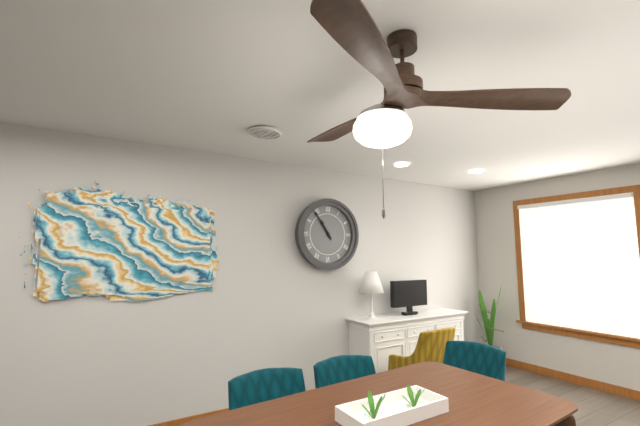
**10:54**
